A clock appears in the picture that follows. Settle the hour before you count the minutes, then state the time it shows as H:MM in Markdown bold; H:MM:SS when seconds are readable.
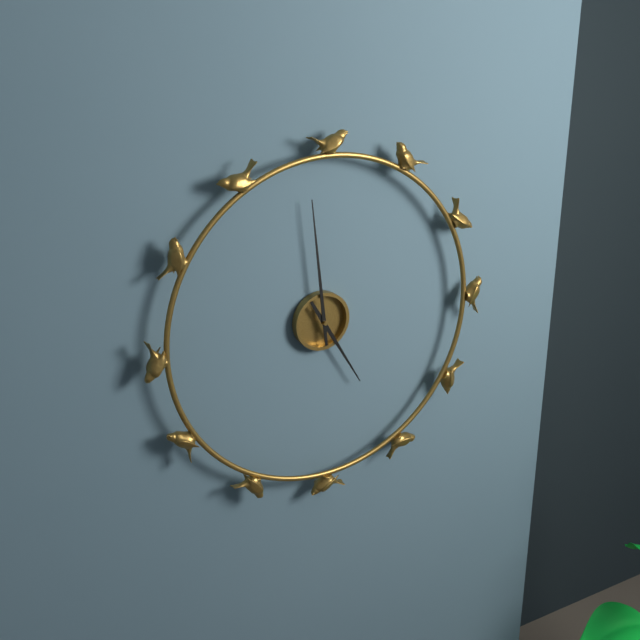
**4:59**
